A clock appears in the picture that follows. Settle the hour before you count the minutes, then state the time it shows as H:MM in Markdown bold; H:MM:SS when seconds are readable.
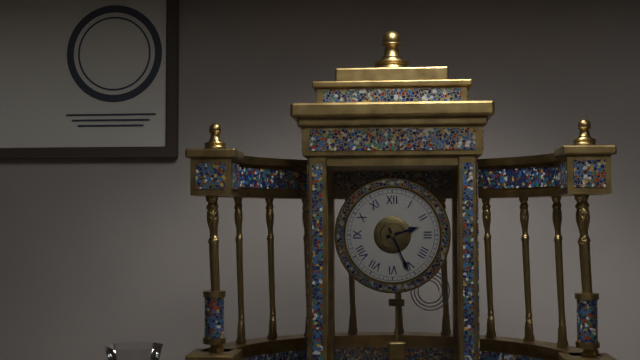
**2:26**
